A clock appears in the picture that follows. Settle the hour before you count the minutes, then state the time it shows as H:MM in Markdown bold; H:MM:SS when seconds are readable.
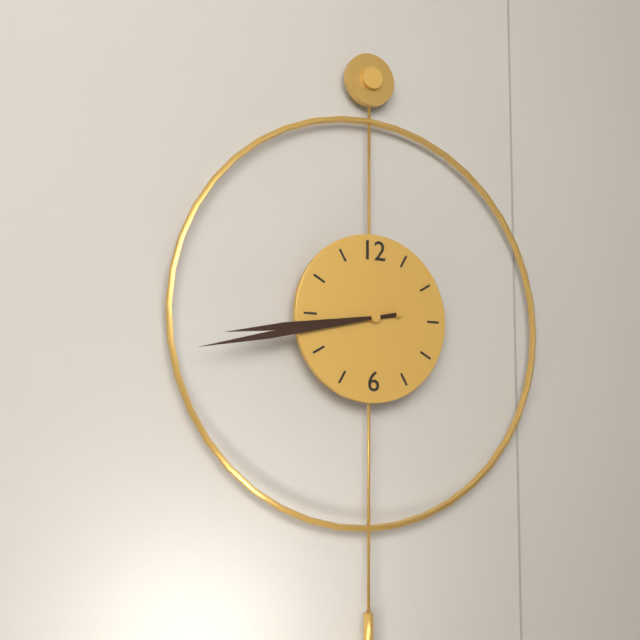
**8:43**
